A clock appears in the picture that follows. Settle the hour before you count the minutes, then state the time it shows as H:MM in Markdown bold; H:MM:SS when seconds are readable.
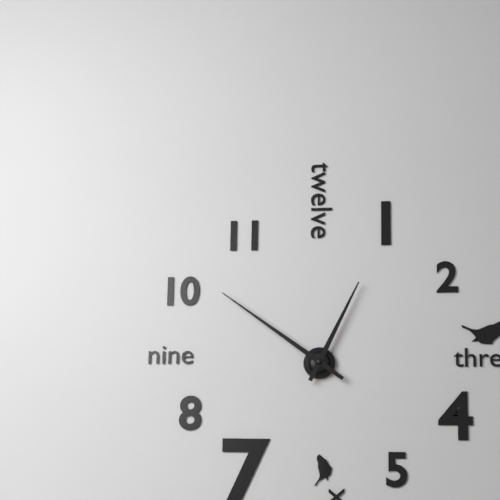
**12:51**
